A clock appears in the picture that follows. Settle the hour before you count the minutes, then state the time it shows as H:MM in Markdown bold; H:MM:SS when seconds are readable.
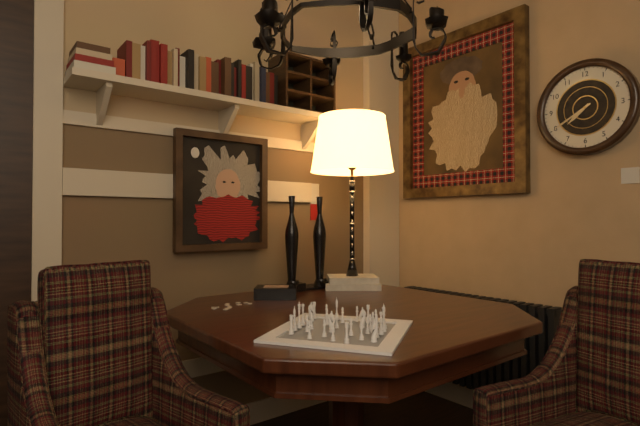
**7:40**
